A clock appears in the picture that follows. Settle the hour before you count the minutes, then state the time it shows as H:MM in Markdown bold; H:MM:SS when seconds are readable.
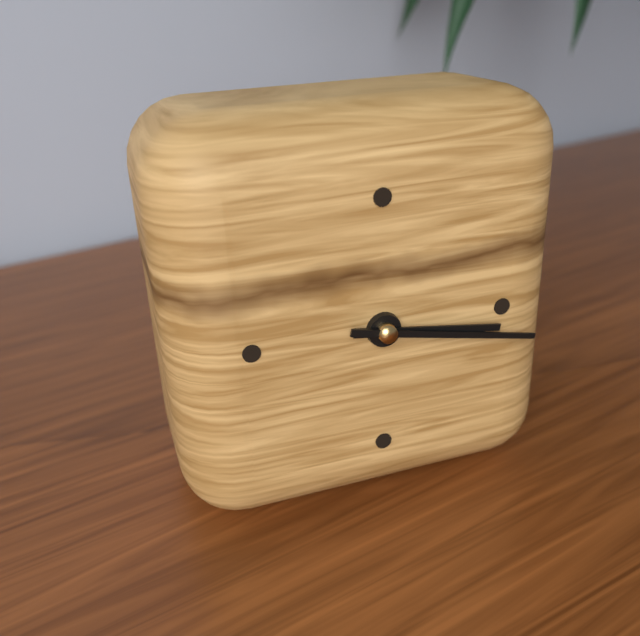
**3:17**
